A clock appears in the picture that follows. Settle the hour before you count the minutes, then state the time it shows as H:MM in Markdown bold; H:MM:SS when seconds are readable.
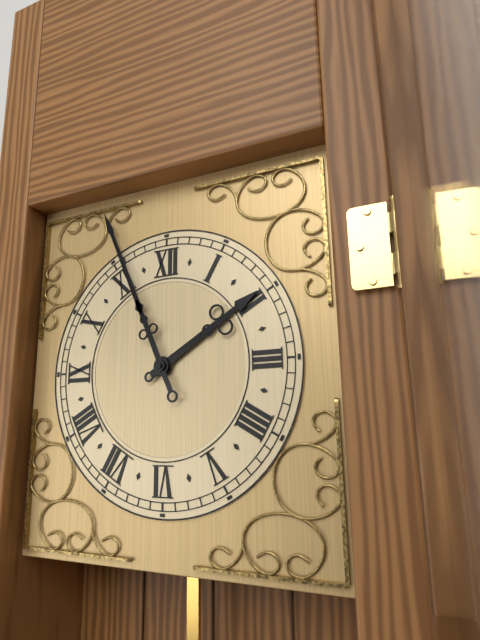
**1:56**
